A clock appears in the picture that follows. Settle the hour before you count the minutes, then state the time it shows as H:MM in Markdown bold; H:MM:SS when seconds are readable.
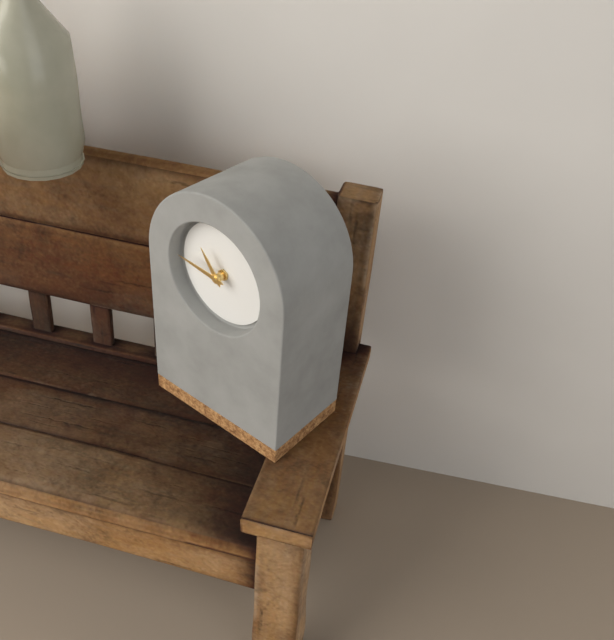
**10:46**
